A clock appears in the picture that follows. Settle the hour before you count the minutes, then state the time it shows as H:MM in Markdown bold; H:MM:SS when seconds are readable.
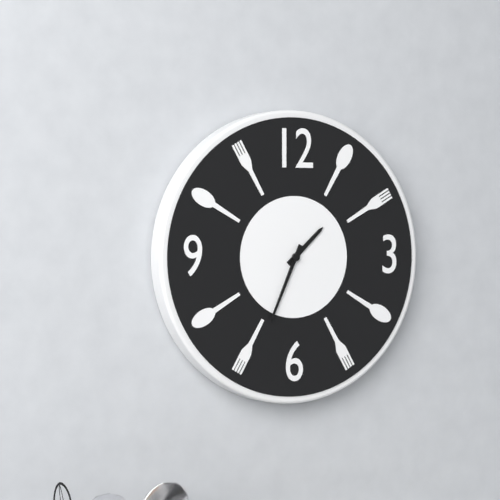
**1:34**
